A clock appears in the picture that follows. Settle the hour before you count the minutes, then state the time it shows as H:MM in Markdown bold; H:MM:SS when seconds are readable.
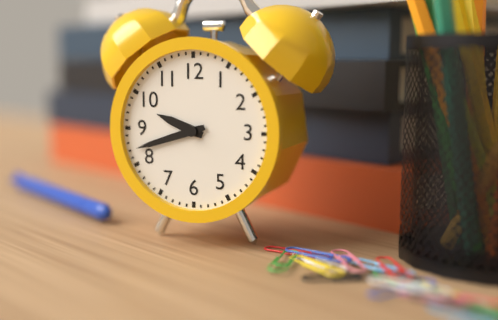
**9:42**
